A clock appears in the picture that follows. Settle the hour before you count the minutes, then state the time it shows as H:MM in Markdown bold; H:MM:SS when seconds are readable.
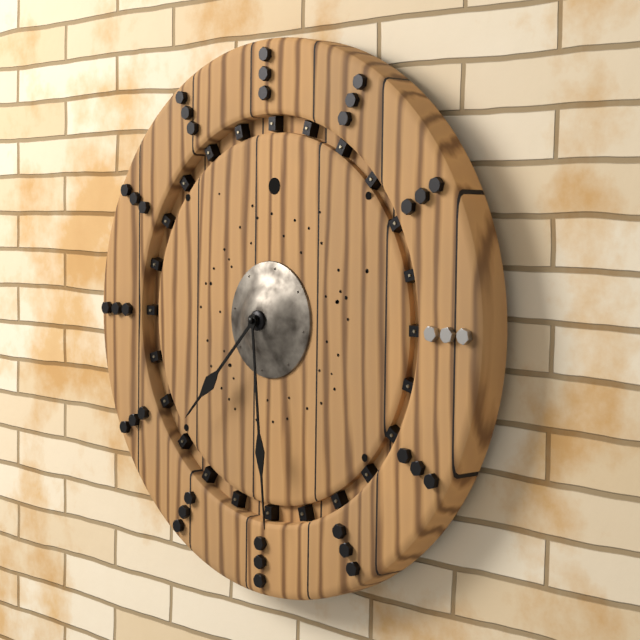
**7:29**
